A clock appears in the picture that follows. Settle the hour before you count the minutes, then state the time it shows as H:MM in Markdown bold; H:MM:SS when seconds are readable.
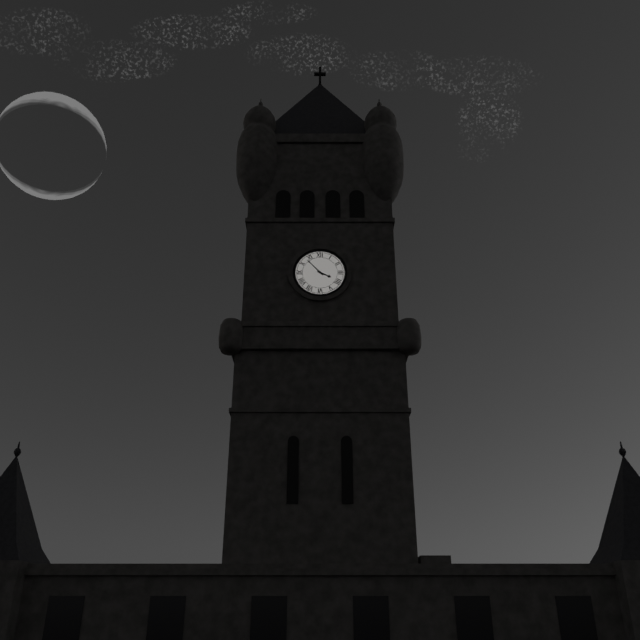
**3:53**
